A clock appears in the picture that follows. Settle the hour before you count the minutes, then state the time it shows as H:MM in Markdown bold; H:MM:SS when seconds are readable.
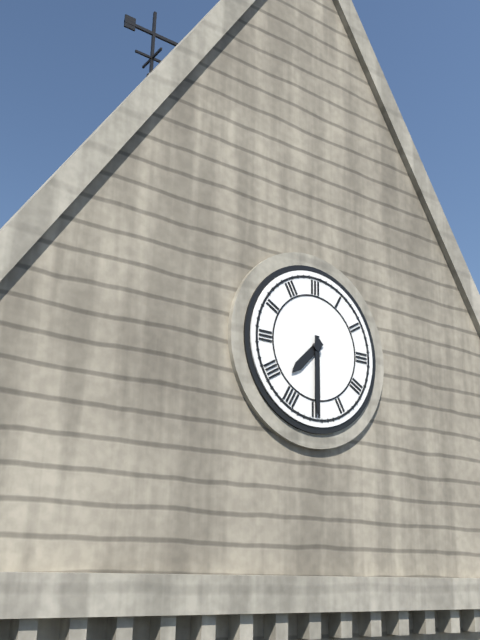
**7:30**
